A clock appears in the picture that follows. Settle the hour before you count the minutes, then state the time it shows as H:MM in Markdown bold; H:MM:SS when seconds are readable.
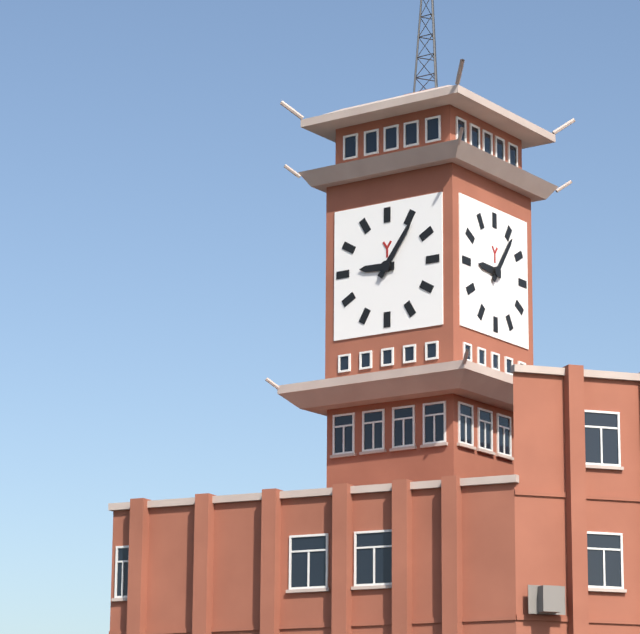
**9:06**
